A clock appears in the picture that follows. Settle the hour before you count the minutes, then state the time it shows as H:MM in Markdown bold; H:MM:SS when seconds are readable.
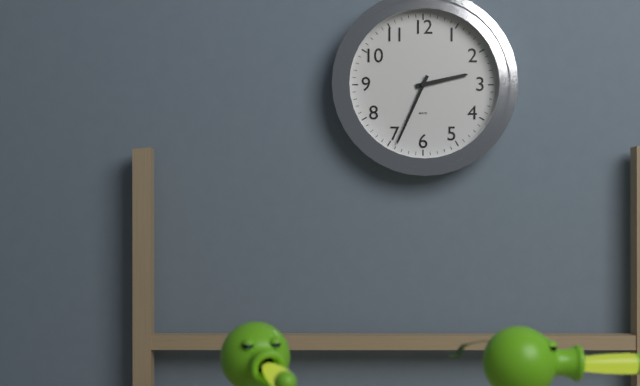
**2:34**
